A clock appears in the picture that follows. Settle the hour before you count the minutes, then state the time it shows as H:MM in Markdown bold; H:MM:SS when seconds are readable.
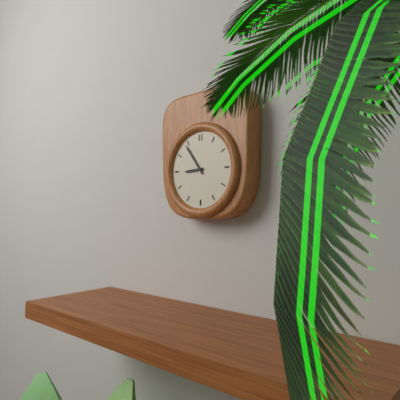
**8:54**
